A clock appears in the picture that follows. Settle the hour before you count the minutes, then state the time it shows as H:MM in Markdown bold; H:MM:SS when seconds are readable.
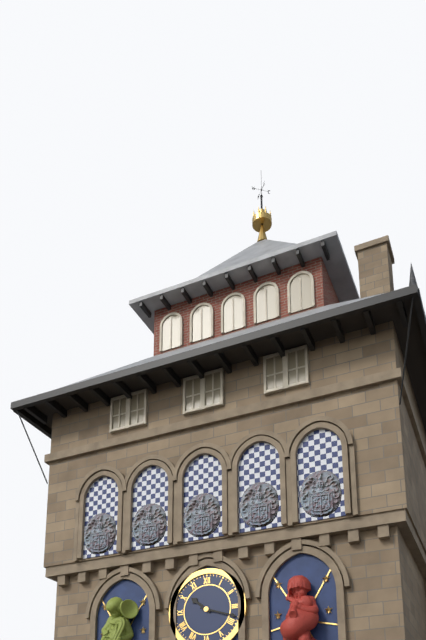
**10:18**
